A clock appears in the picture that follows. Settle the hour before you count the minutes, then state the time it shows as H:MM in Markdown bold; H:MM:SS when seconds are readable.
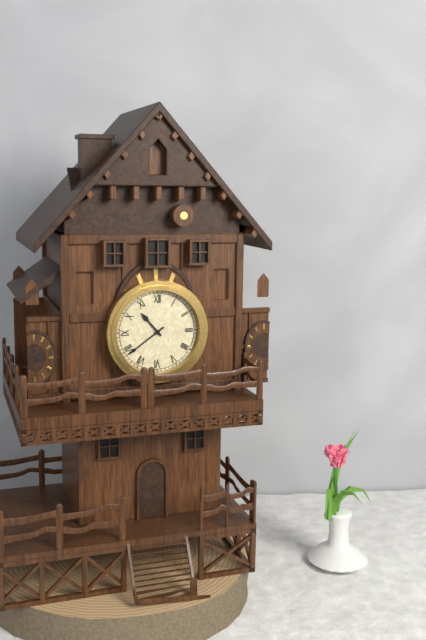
**10:39**
